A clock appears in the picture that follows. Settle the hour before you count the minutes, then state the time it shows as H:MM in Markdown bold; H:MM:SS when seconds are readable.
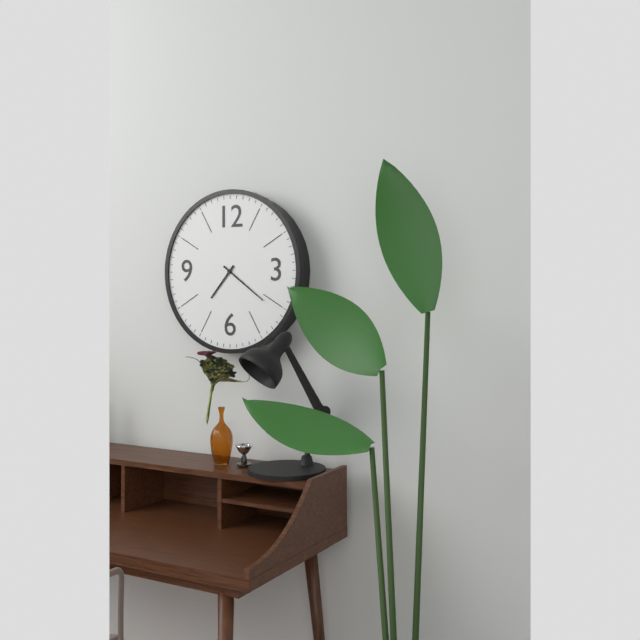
**7:21**
